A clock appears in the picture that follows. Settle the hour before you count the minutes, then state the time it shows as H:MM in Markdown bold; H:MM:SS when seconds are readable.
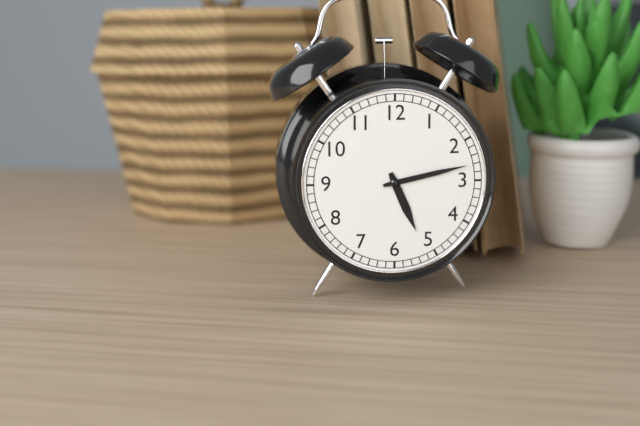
**5:13**
